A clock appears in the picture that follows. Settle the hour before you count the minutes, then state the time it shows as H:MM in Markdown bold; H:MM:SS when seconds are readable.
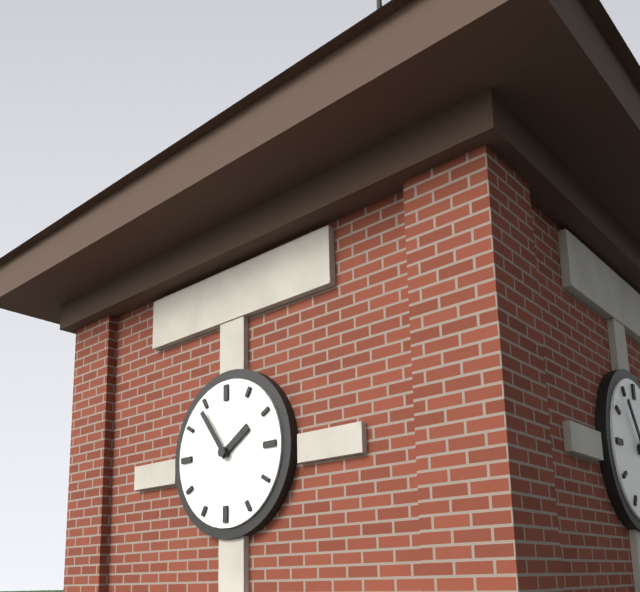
**1:54**
